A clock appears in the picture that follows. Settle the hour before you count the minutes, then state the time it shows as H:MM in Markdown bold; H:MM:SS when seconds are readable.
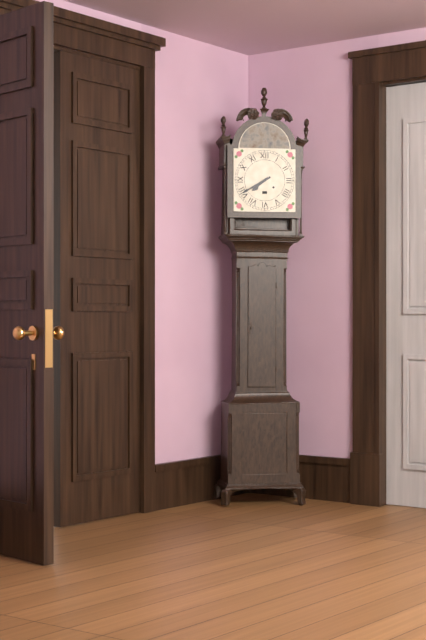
**7:40**
